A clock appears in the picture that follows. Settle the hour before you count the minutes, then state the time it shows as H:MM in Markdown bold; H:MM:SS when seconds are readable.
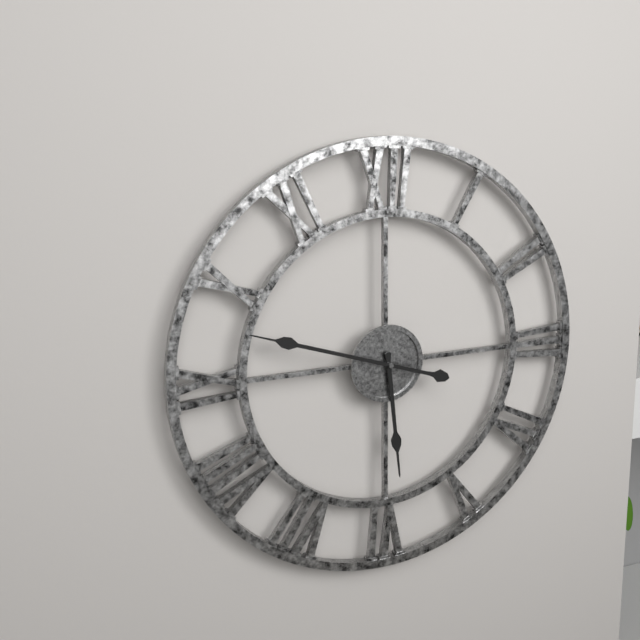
**5:48**
